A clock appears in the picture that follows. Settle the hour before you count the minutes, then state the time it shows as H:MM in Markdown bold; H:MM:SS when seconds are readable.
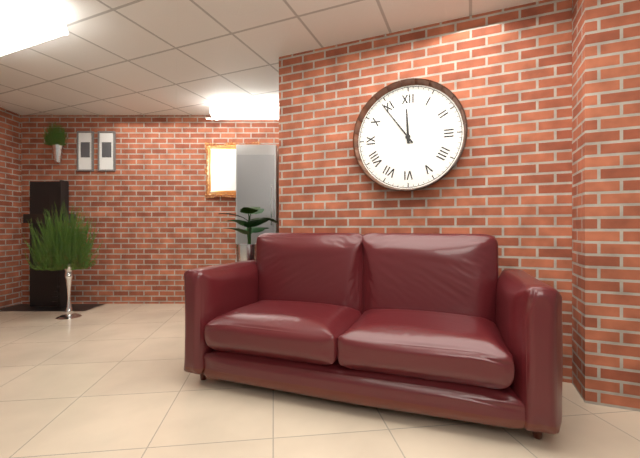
**11:54**
